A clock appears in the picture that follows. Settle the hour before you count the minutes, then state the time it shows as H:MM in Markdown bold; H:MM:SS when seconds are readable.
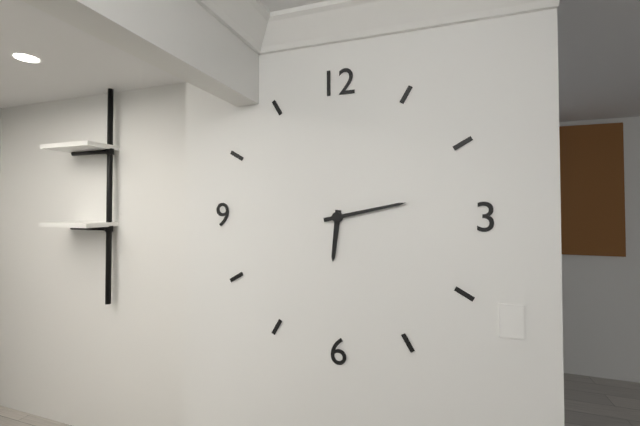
**6:13**
